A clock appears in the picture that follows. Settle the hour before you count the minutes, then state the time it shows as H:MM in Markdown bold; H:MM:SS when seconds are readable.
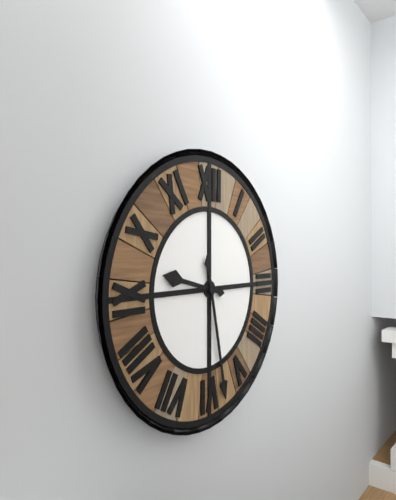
**9:28**
